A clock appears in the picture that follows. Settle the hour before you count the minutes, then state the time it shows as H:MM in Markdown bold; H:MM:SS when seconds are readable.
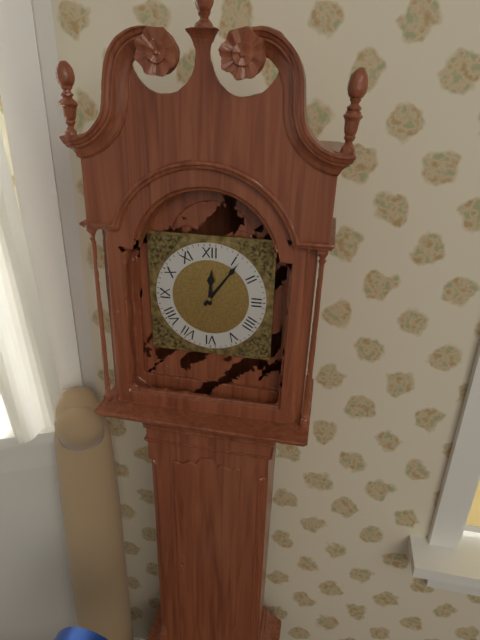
**12:06**
